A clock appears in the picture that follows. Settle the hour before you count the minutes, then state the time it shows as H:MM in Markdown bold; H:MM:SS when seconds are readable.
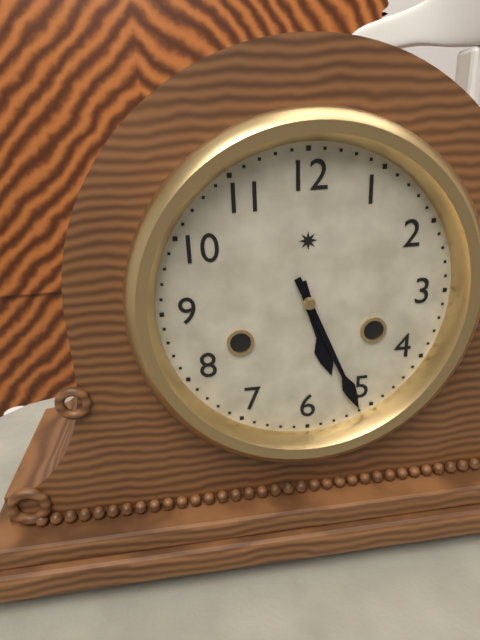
**5:26**
